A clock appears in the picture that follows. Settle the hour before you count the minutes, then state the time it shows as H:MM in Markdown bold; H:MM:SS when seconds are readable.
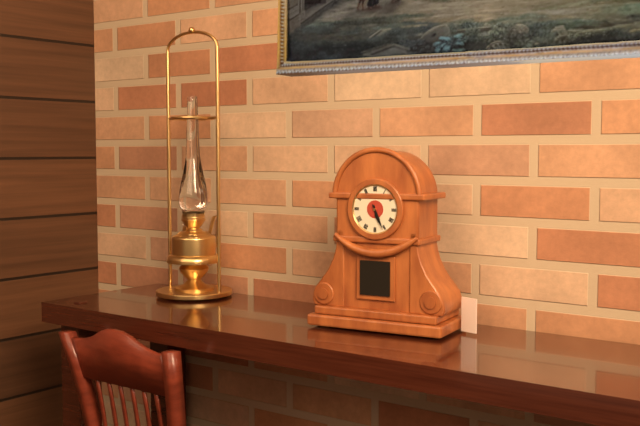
**5:26**
